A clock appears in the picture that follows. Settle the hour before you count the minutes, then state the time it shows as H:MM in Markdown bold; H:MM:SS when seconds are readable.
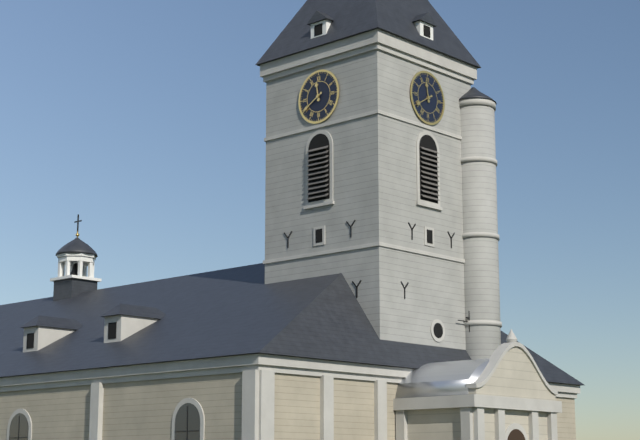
**11:40**
